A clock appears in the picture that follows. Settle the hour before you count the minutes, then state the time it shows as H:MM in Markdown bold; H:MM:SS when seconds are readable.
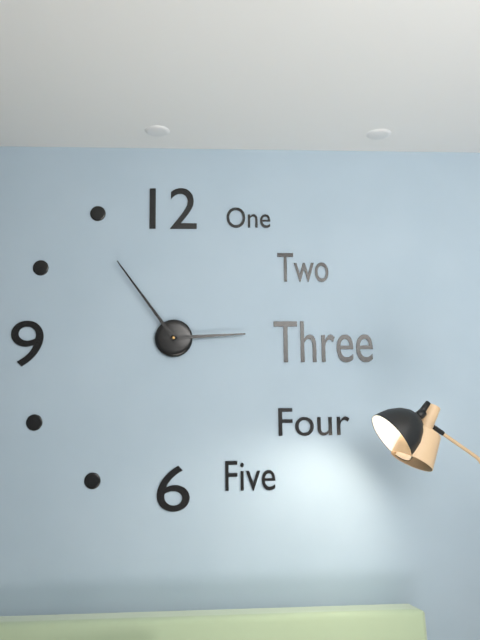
**2:54**
